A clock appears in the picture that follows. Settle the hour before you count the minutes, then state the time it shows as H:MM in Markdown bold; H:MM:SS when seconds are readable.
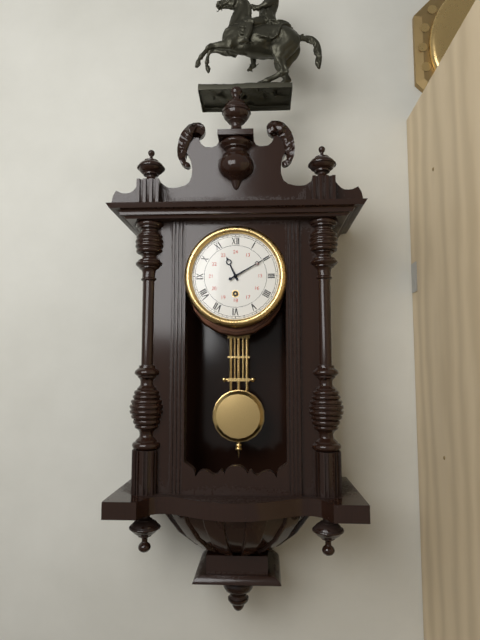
**11:10**
